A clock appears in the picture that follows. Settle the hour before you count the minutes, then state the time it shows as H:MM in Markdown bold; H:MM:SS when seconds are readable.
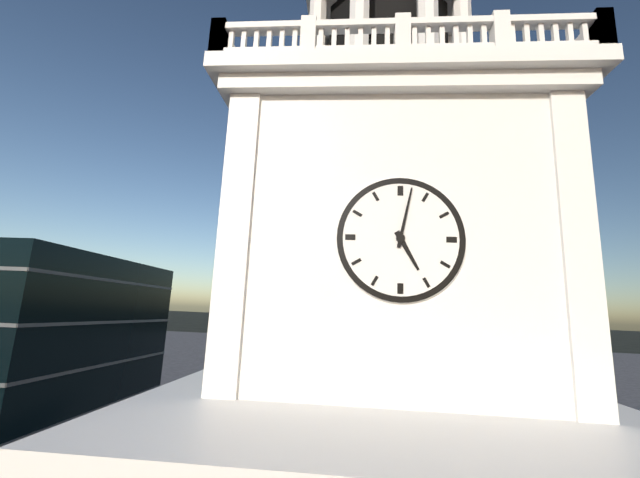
**5:02**
